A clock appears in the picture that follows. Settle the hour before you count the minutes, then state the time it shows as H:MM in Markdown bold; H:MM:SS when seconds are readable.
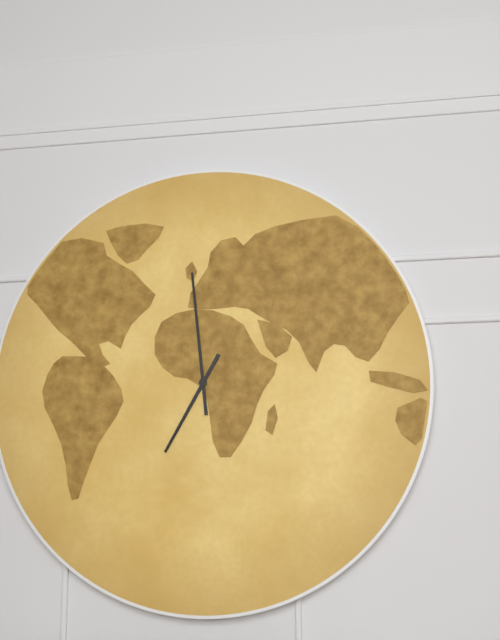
**6:59**
